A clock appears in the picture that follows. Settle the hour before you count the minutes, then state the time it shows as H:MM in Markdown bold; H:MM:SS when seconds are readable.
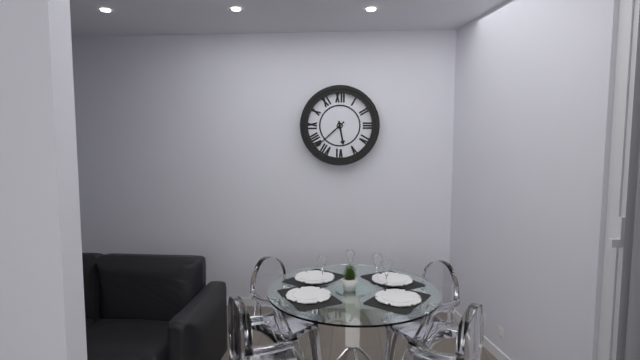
**5:38**
